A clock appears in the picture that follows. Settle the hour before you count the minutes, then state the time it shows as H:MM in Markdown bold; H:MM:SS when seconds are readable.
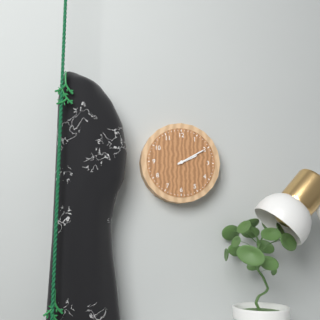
**2:10**
